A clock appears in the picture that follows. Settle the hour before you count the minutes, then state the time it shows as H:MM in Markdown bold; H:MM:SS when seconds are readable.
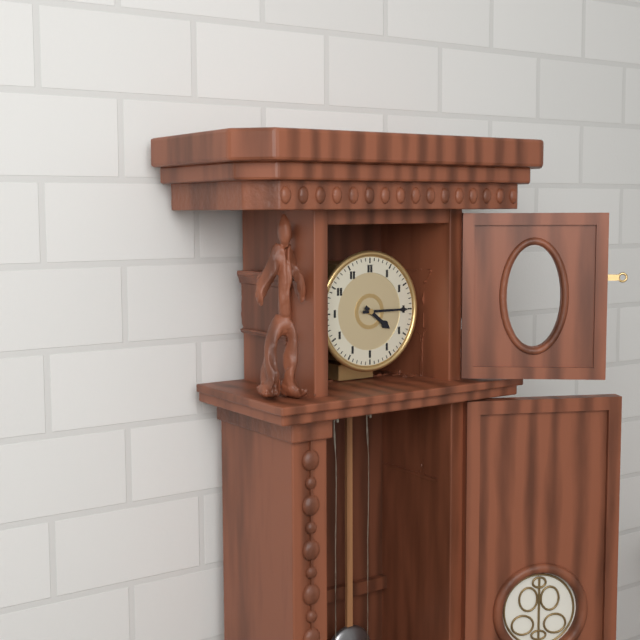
**4:15**
